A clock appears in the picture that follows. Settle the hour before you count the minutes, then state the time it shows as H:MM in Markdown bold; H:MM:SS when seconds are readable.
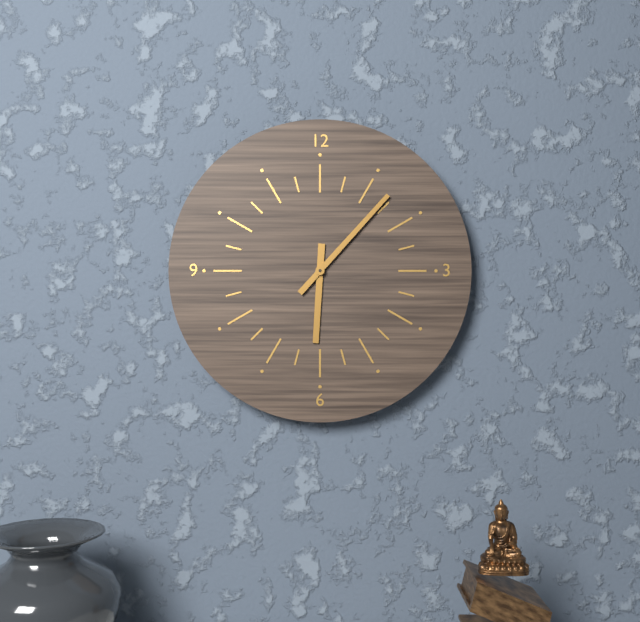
**6:07**
